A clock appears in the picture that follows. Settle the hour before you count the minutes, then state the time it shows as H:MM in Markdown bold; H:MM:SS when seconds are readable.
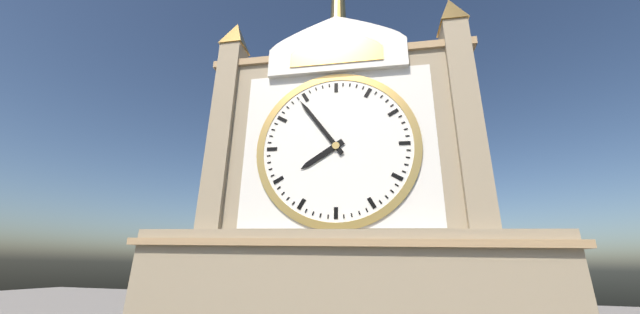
**7:54**
